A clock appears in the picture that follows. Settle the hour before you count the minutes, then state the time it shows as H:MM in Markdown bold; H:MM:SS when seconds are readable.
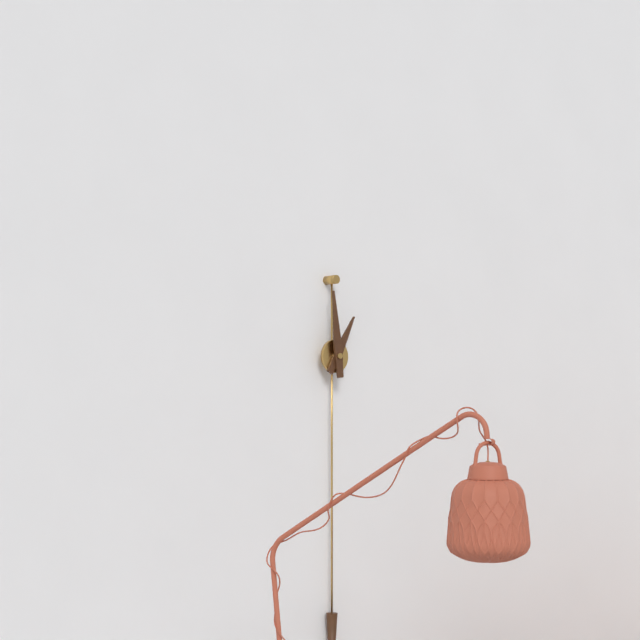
**12:59**
